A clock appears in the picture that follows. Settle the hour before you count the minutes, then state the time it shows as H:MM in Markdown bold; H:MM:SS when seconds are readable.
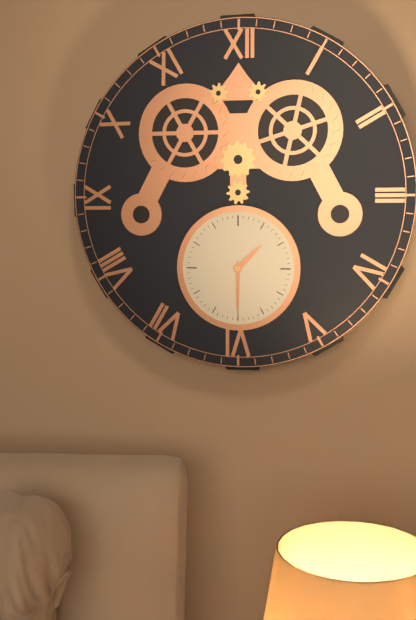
**1:30**
